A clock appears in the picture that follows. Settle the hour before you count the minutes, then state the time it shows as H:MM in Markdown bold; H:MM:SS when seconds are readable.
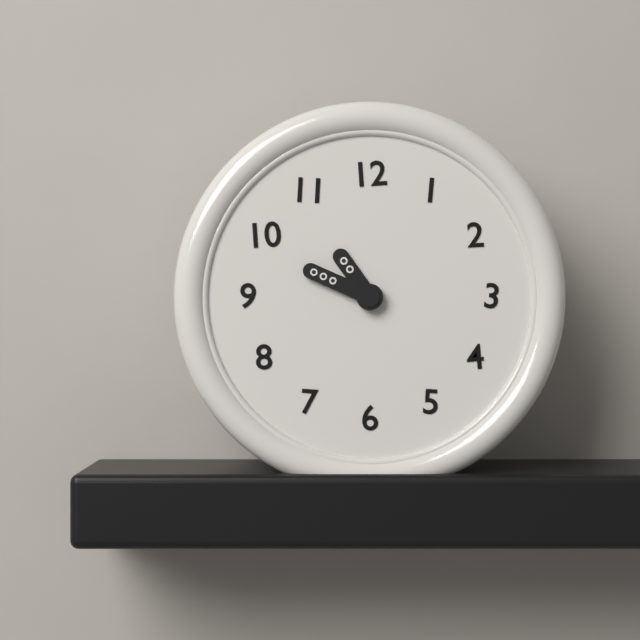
**10:49**
